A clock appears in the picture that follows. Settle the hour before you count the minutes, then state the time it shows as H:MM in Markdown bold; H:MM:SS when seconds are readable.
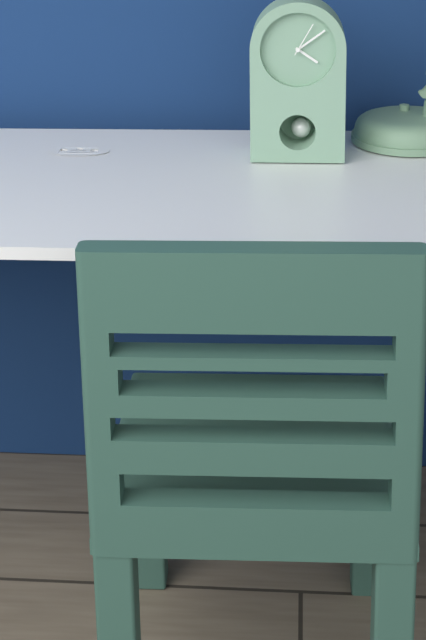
**4:09**
